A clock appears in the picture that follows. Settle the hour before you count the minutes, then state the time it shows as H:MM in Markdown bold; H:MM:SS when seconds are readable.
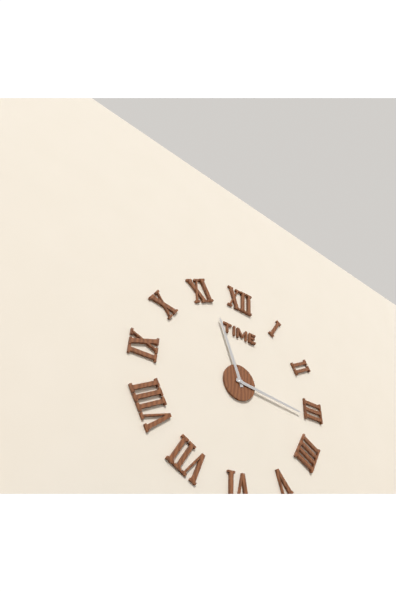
**11:16**
